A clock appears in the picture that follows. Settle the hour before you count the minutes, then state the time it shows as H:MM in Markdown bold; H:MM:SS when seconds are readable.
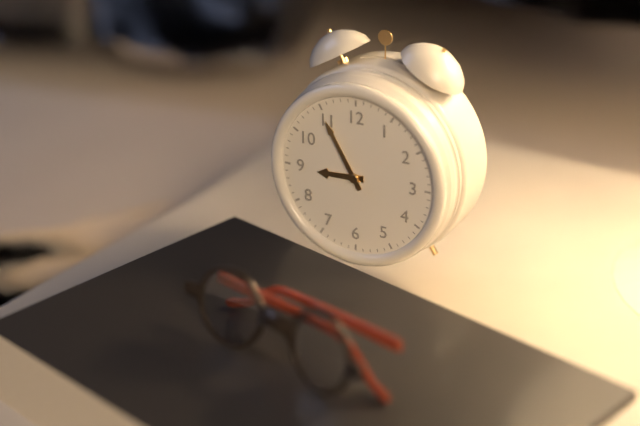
**8:55**
